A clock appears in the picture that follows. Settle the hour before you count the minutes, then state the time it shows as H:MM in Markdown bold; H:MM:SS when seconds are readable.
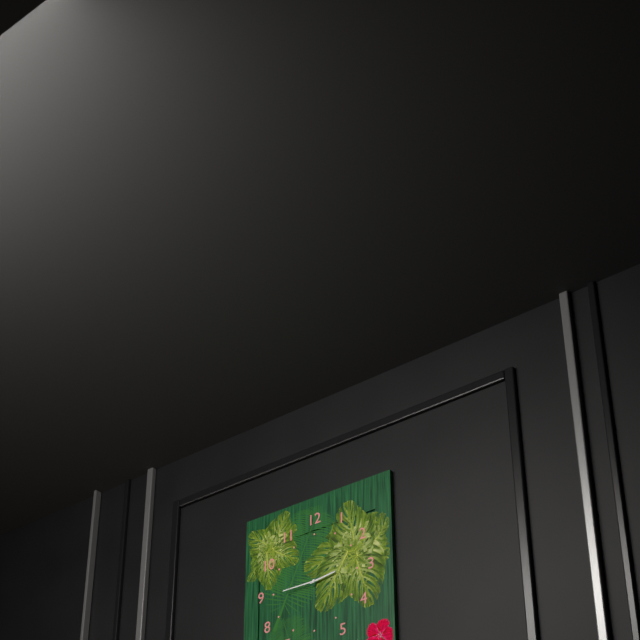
**2:45**
